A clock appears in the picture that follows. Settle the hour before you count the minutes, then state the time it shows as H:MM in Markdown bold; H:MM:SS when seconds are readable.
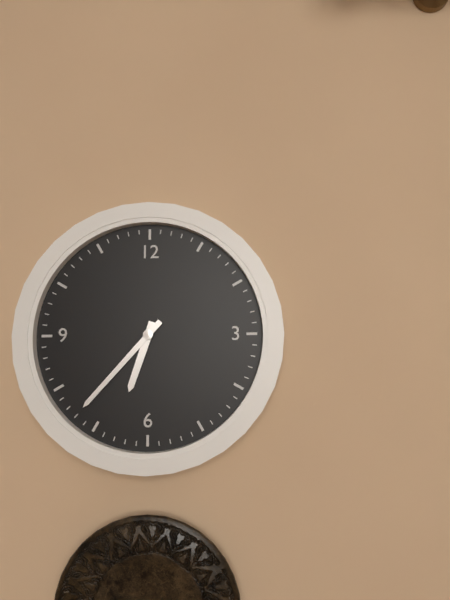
**6:37**
